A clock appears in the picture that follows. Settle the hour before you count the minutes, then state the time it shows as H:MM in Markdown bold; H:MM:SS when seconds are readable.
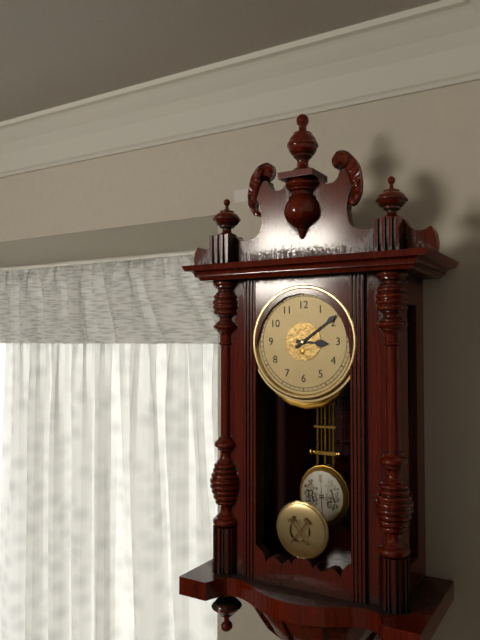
**3:09**
